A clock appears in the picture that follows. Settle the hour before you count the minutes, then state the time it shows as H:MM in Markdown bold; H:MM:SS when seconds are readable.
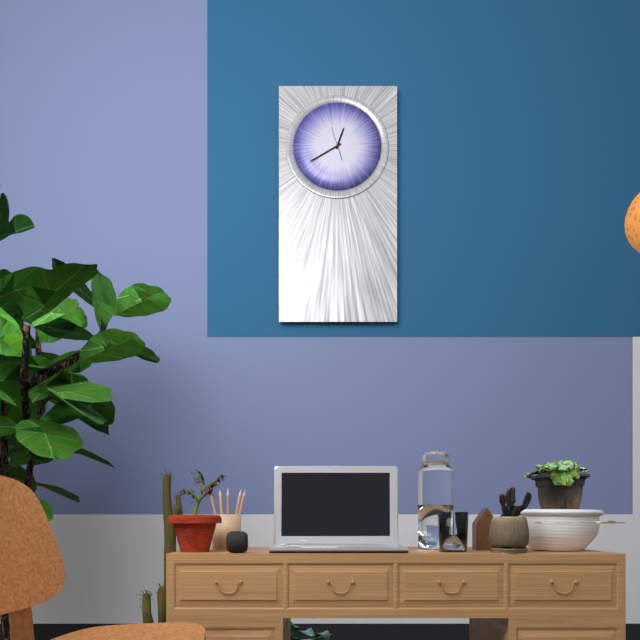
**12:40**
